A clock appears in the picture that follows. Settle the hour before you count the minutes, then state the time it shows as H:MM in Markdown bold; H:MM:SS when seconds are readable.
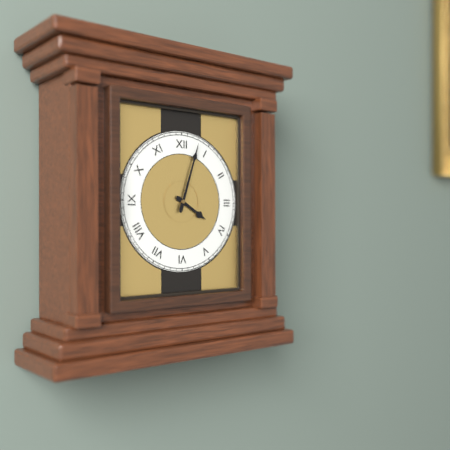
**4:03**
